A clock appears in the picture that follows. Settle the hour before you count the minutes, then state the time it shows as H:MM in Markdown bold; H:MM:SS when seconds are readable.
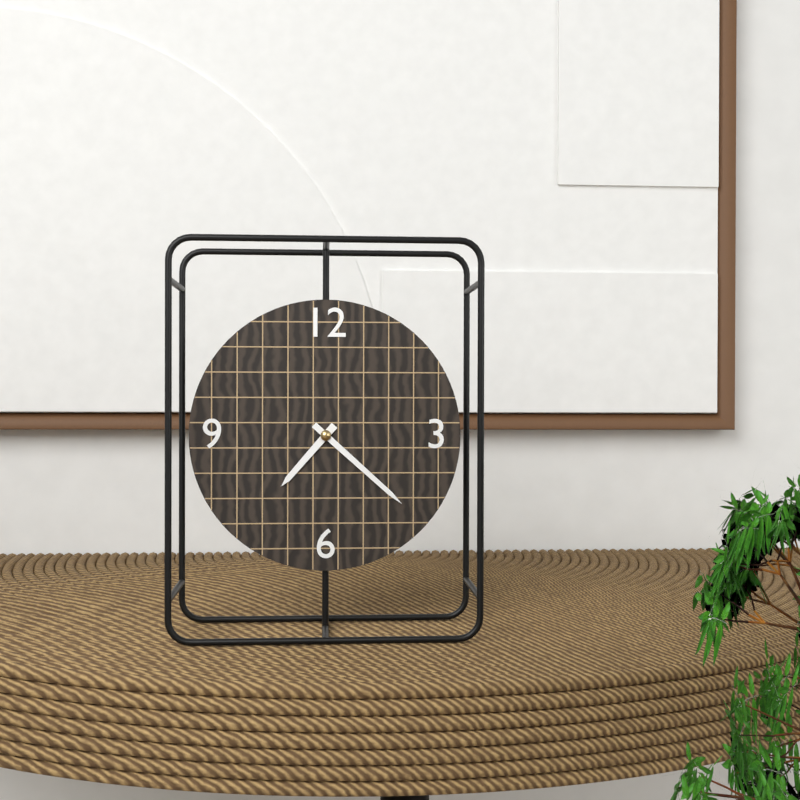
**7:22**
